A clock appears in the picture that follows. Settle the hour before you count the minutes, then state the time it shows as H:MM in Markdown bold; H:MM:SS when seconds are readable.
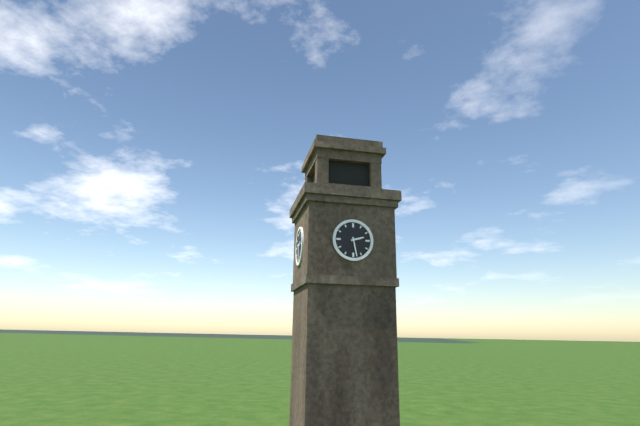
**2:28**
